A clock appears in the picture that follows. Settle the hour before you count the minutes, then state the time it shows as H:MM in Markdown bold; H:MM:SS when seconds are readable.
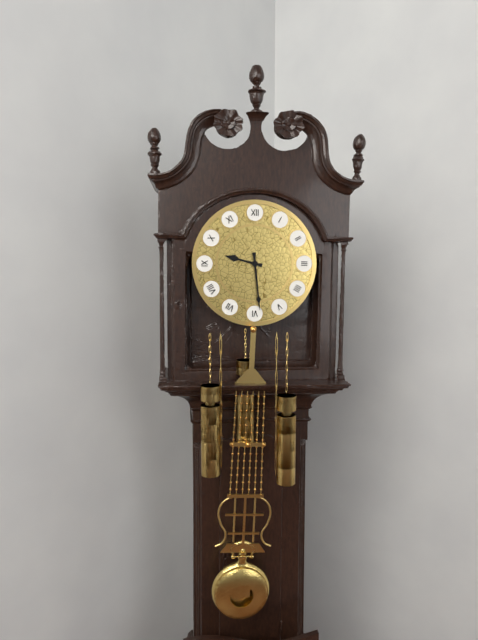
**9:29**
